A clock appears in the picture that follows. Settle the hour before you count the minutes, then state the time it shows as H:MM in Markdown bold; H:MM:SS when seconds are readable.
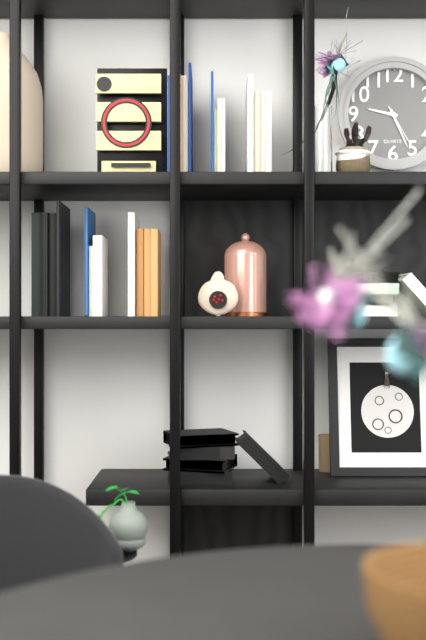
**9:26**
